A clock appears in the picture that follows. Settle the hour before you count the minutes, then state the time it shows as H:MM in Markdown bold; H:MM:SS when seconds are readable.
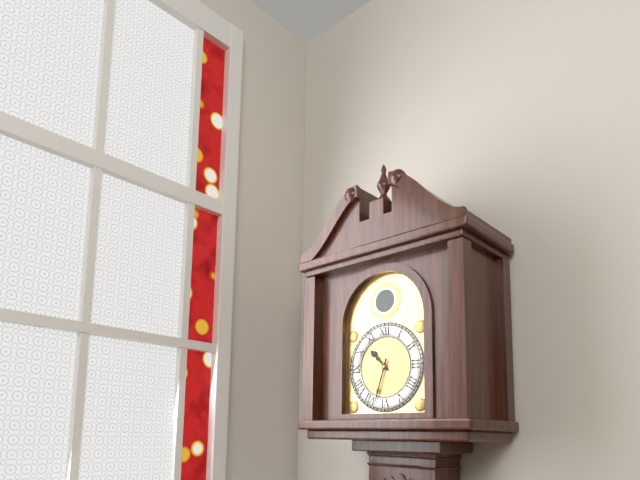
**10:33**
